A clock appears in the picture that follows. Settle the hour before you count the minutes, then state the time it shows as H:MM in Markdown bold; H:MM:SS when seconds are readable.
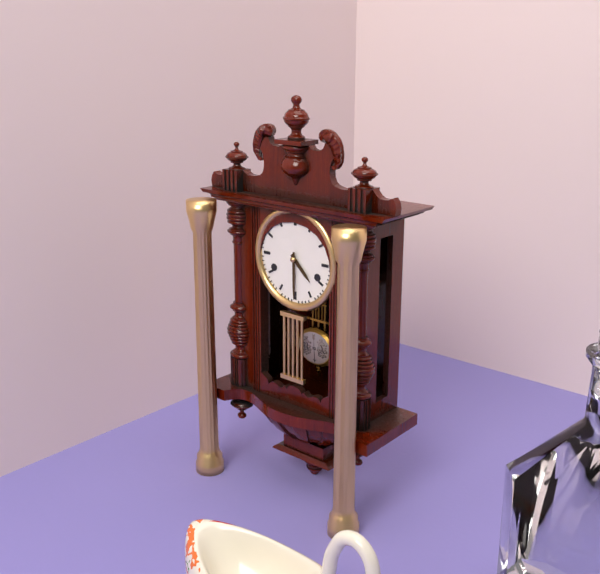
**4:30**
